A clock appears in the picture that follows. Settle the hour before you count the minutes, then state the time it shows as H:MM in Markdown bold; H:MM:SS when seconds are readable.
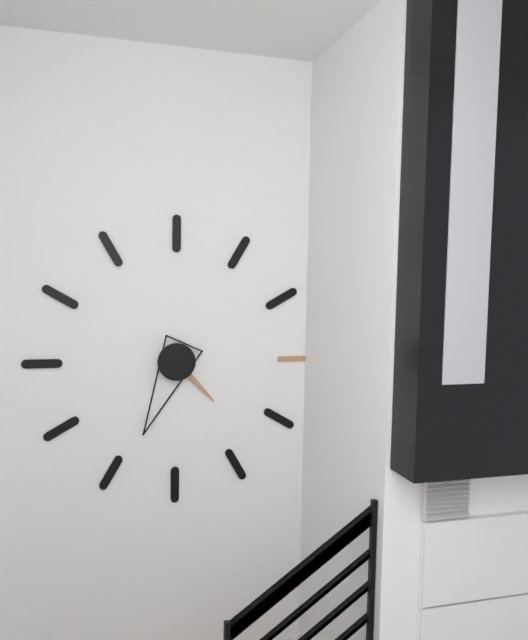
**4:34**
